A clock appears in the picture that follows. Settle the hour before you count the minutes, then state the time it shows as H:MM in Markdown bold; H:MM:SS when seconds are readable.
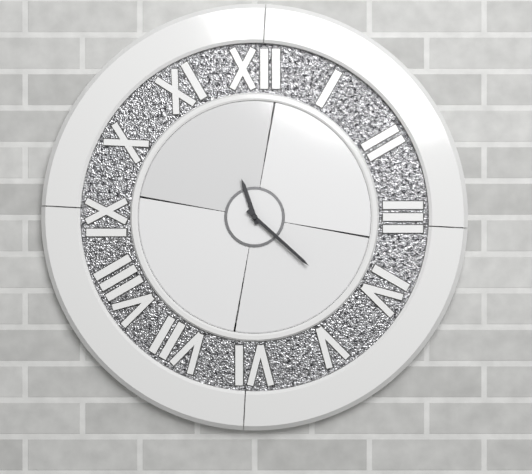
**11:22**
